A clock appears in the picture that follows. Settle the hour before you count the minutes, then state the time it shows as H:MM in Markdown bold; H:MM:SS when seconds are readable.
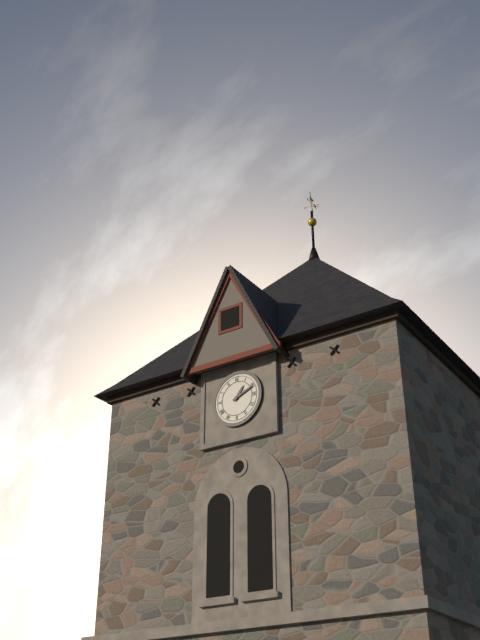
**1:11**
